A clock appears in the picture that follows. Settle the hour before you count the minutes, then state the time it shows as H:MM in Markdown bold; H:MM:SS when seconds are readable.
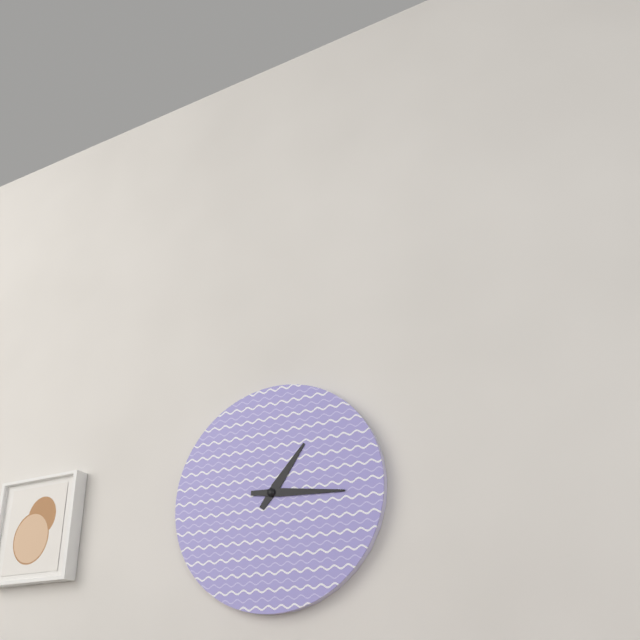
**1:16**
